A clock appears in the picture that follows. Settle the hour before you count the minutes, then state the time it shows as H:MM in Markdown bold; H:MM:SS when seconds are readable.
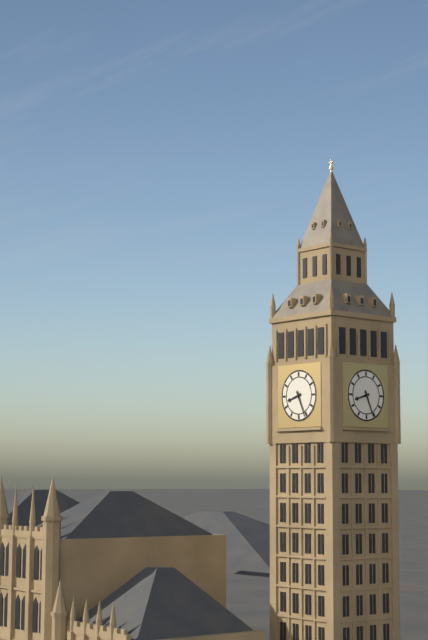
**8:26**
